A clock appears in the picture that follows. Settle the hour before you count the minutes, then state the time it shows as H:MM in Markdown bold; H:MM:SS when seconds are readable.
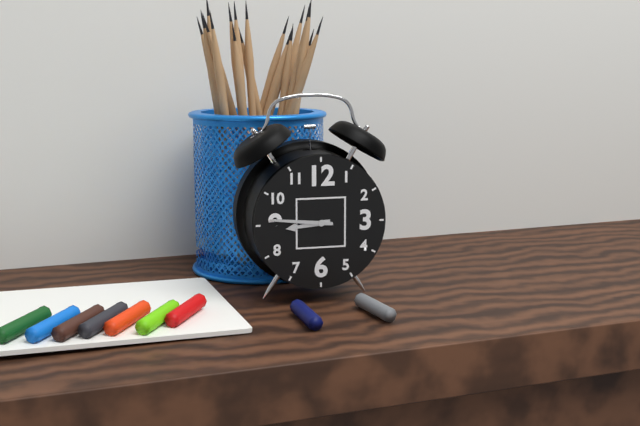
**8:46**
